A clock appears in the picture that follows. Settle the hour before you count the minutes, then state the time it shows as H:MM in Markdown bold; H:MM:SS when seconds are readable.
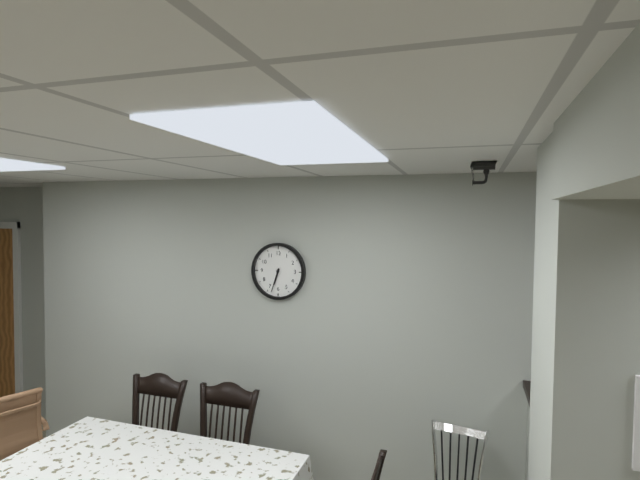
**6:33**
